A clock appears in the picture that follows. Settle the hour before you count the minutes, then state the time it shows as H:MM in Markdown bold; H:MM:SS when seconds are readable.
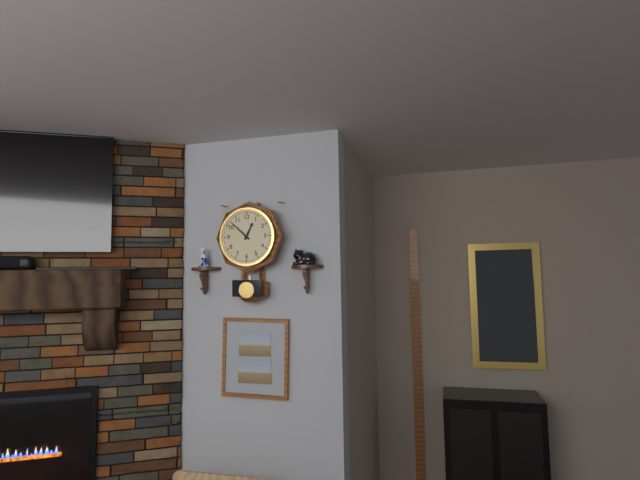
**12:52**
